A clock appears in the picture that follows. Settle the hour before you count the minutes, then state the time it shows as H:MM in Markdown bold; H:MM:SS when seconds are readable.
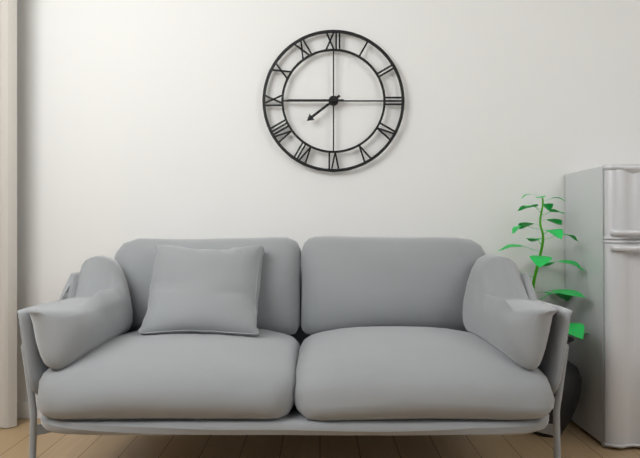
**7:45**
